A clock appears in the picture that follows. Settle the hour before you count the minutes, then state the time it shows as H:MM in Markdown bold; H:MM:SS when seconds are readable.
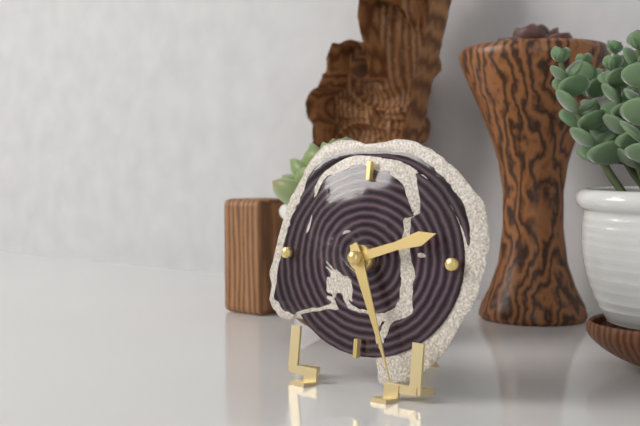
**2:26**
